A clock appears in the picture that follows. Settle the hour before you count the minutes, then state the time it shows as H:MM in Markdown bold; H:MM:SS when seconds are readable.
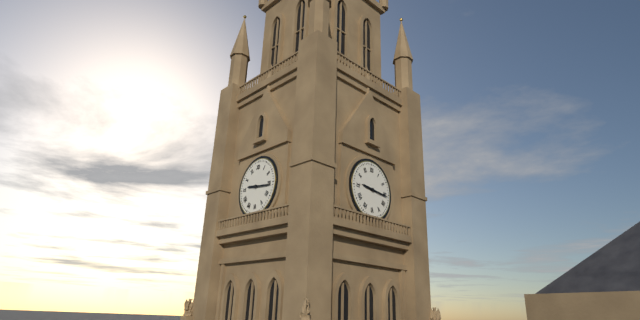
**9:16**
